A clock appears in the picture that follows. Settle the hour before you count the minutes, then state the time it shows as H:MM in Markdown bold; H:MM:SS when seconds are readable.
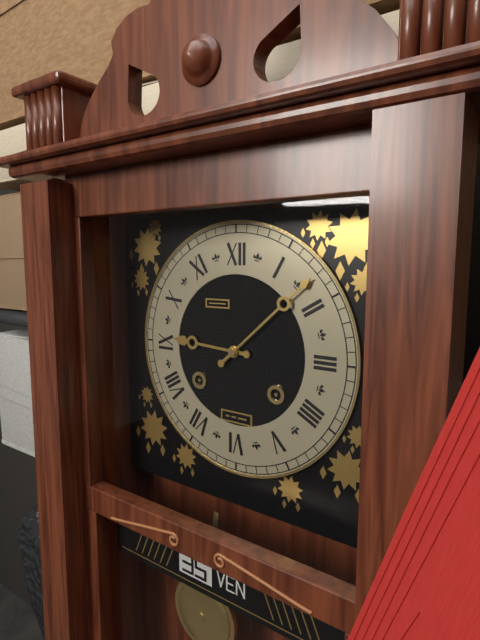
**9:08**
